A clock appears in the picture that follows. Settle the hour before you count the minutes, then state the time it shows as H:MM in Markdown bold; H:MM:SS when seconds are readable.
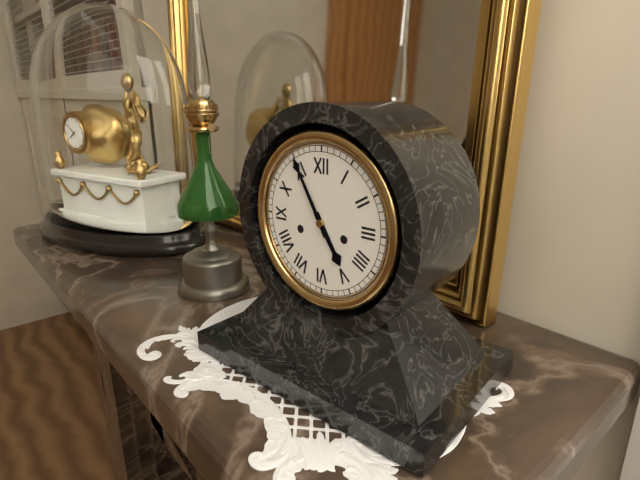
**4:55**
